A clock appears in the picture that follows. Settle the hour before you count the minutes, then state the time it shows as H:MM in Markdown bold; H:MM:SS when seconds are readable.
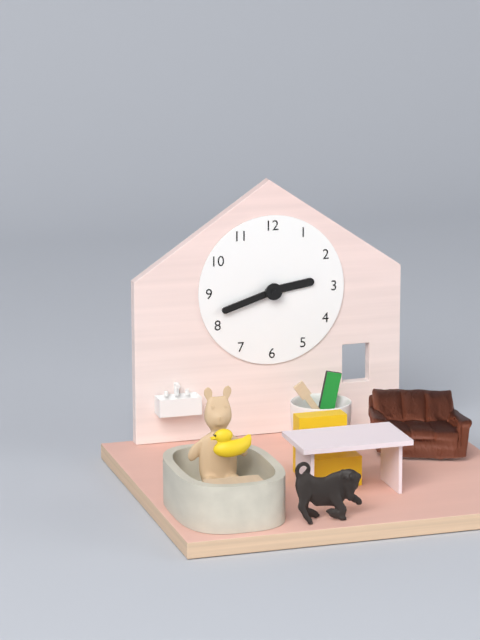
**2:42**
